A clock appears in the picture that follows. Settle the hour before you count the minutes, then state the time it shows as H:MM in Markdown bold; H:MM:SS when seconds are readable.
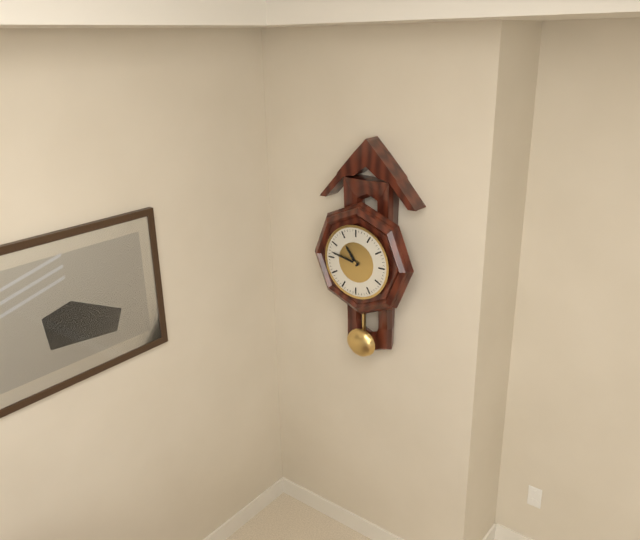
**10:47**
